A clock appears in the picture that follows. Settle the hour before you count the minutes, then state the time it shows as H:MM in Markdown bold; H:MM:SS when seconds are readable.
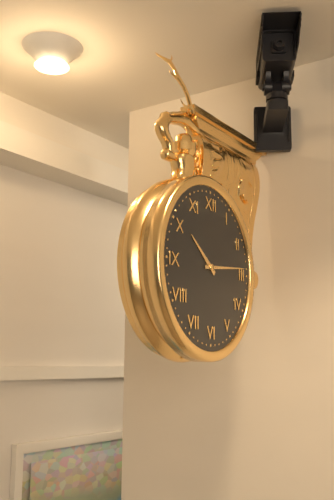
**10:14**
